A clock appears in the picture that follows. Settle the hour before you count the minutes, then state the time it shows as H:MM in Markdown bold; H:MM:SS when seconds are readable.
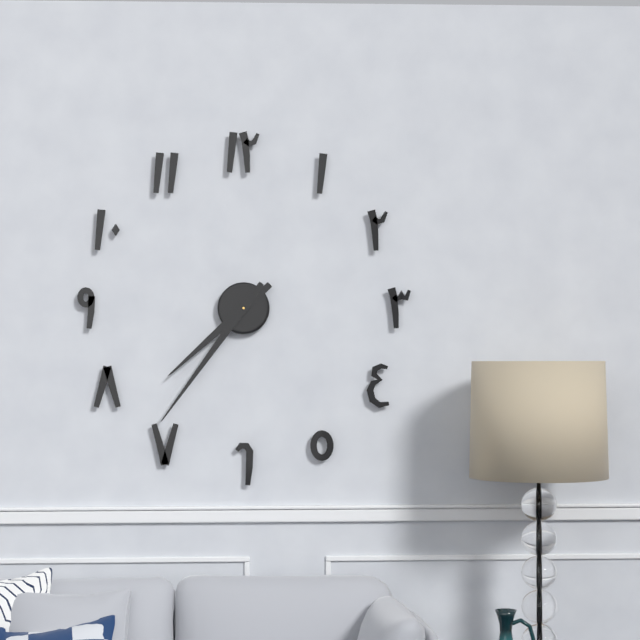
**7:36**
